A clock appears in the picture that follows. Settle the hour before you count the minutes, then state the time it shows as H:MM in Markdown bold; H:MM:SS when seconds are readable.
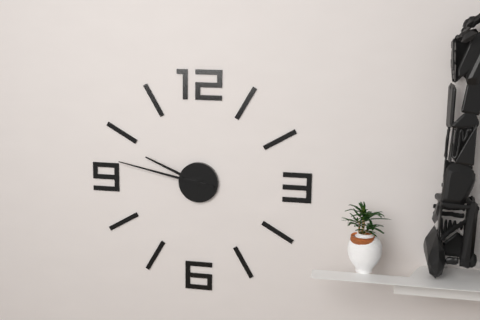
**9:47**
